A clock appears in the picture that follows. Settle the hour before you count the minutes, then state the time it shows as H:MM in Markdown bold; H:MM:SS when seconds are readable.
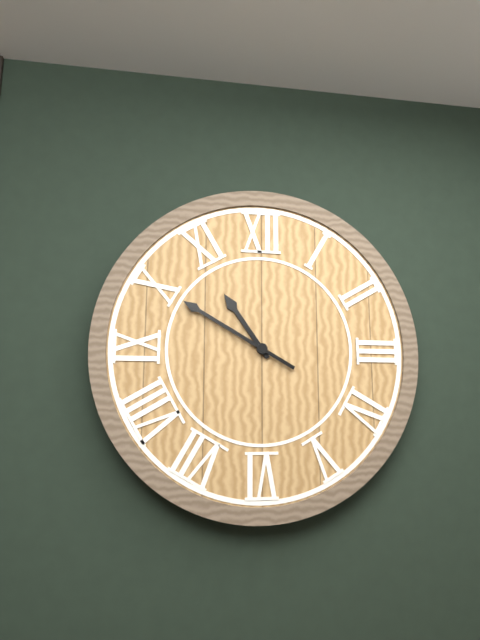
**10:50**
